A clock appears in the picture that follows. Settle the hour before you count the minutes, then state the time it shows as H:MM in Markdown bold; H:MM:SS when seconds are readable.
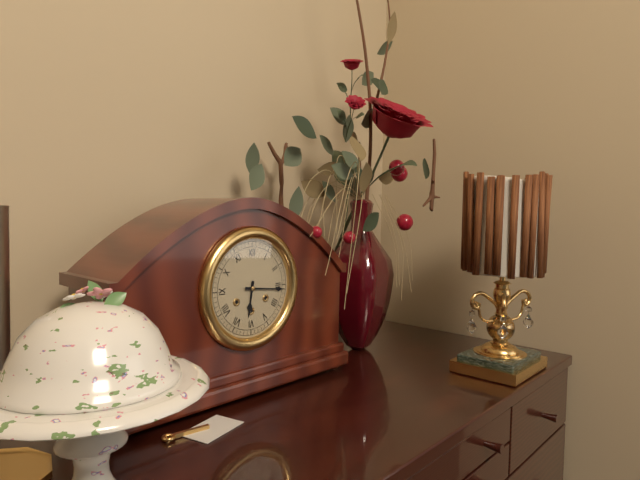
**6:16**
